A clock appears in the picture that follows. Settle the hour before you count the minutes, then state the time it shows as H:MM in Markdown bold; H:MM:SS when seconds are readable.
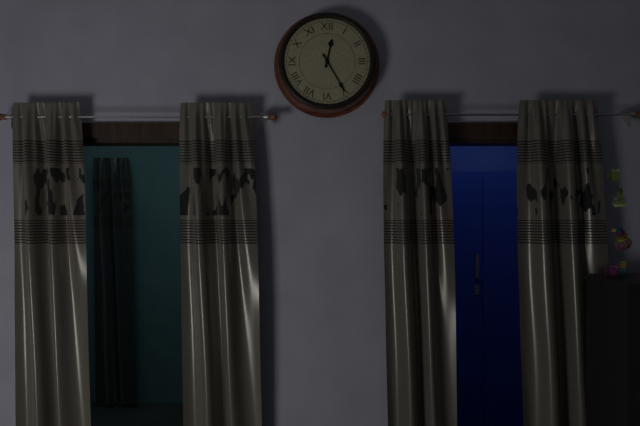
**12:25**
